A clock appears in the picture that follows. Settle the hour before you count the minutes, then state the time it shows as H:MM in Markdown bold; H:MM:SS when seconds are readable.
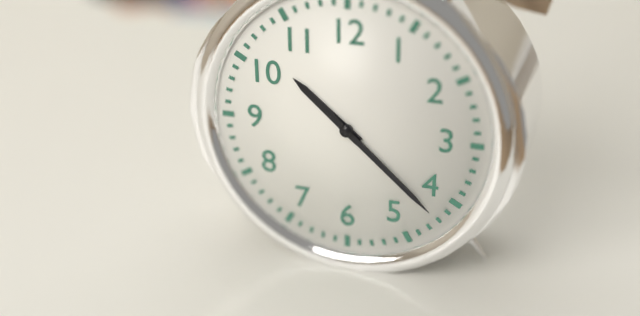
**10:22**
